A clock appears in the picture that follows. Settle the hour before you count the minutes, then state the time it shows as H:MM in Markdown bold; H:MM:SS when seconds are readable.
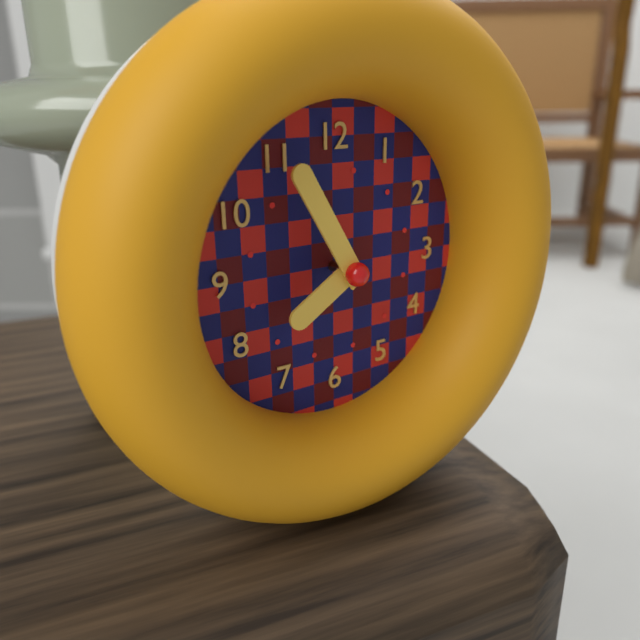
**7:55**
